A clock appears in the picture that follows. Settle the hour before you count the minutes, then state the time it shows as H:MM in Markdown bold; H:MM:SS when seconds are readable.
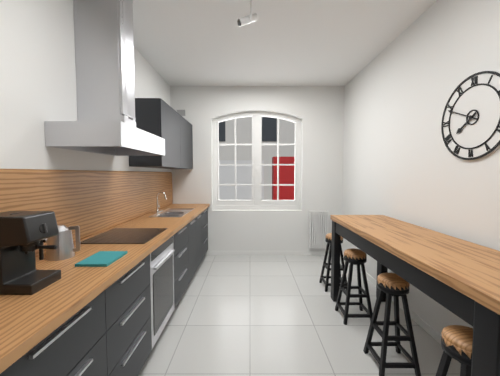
**7:49**
